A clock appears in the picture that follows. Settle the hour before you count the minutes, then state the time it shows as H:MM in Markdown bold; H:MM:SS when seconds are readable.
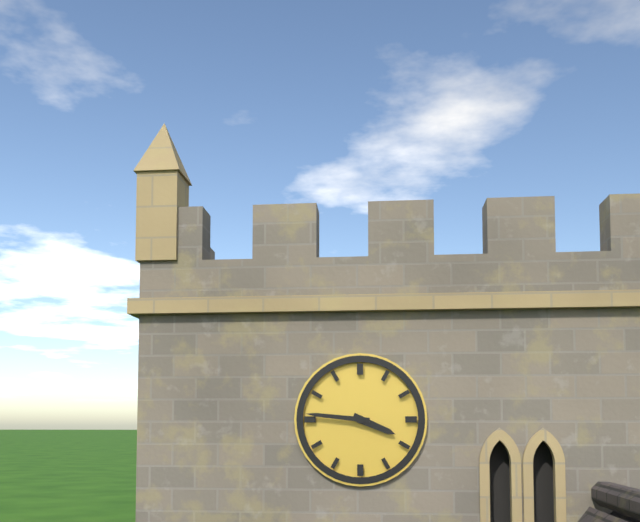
**3:46**
